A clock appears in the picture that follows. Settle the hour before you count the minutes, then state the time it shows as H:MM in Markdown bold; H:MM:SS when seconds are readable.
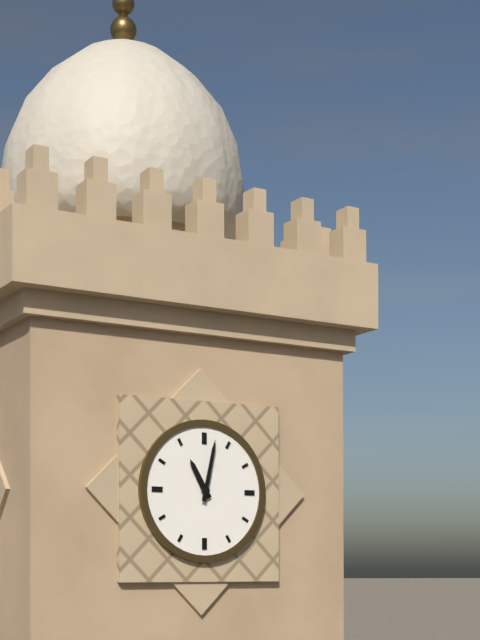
**11:02**
